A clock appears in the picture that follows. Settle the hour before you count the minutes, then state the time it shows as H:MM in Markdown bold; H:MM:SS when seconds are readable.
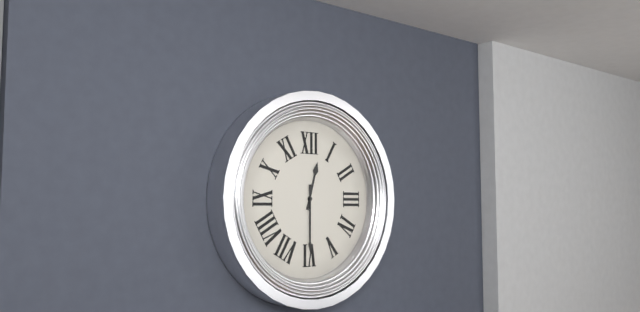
**12:30**
